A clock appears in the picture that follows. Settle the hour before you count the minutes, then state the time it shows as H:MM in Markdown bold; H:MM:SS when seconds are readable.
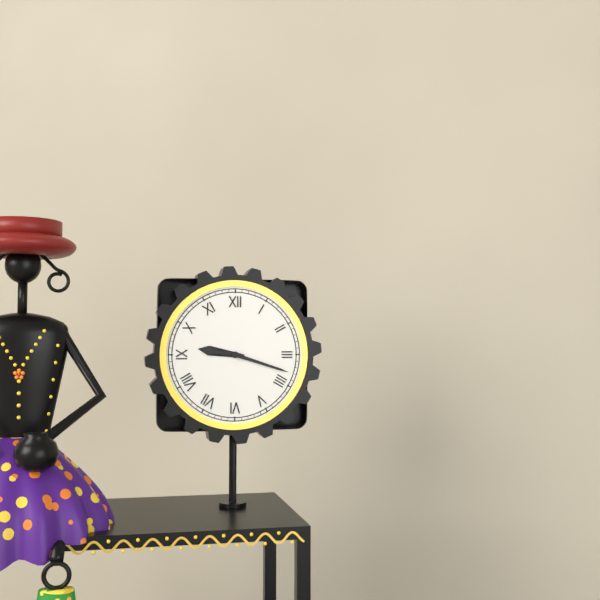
**9:18**
